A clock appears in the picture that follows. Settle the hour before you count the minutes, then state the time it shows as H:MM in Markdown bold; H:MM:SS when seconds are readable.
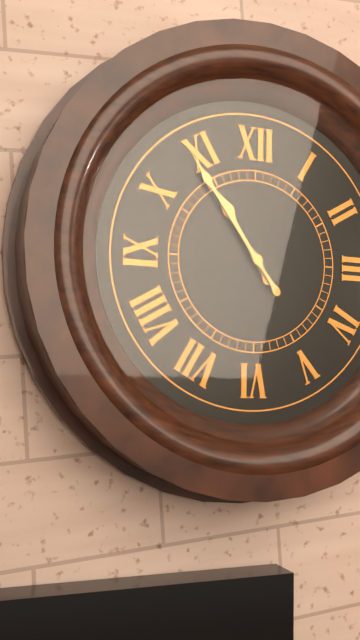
**10:54**
